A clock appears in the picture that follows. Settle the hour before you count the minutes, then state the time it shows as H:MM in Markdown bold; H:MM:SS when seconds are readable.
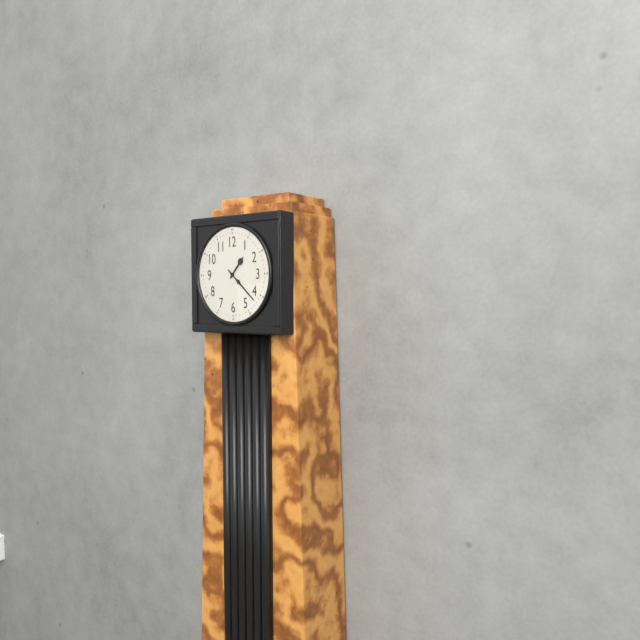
**1:22**
